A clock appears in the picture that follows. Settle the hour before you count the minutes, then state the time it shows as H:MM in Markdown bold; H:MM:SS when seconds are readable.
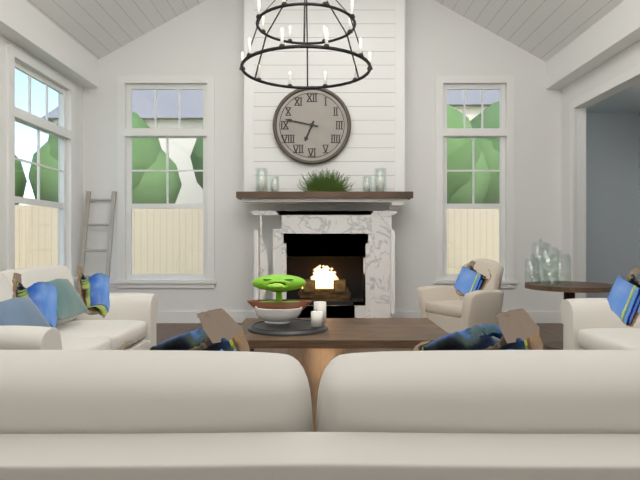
**6:47**
